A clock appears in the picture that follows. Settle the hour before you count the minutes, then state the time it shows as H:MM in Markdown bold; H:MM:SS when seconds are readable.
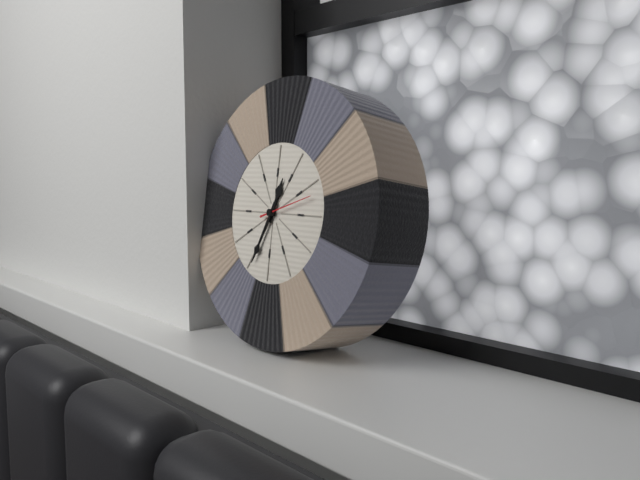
**12:34**
